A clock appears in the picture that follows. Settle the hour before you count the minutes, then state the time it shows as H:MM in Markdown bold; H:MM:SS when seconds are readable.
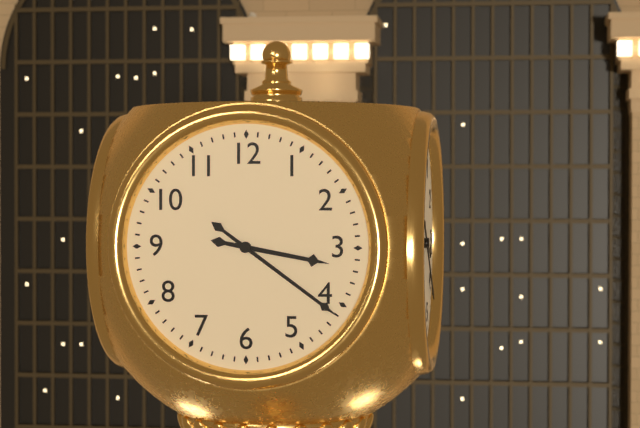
**3:21**
